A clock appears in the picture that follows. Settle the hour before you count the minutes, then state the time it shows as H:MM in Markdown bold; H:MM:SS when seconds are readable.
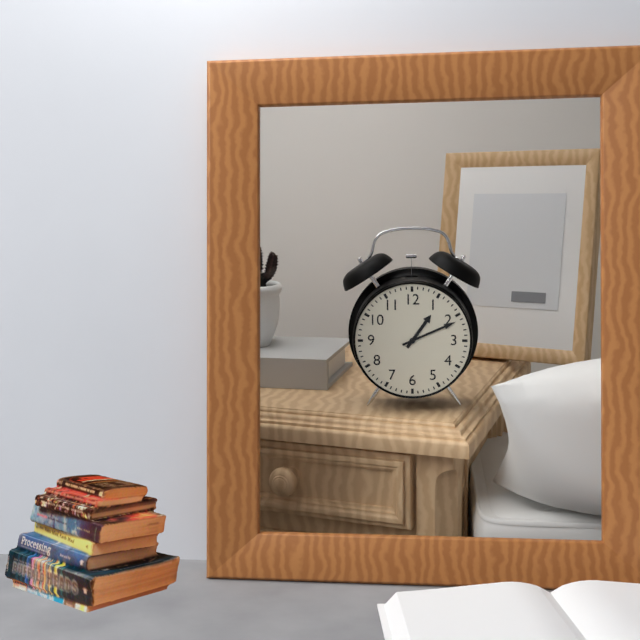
**1:11**
